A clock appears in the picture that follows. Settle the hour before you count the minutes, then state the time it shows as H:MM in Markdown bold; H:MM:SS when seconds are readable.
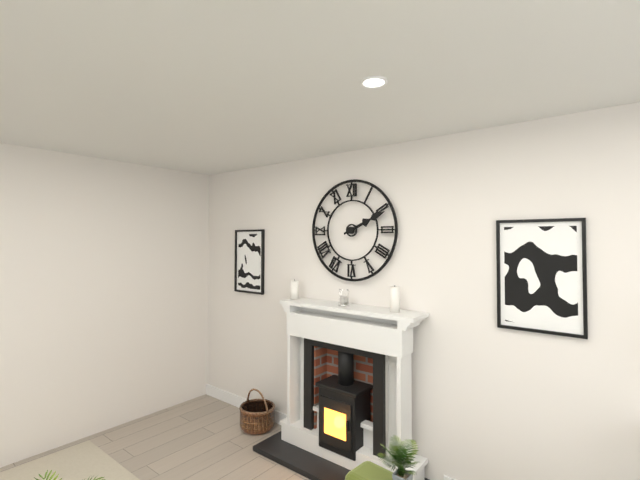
**2:11**
